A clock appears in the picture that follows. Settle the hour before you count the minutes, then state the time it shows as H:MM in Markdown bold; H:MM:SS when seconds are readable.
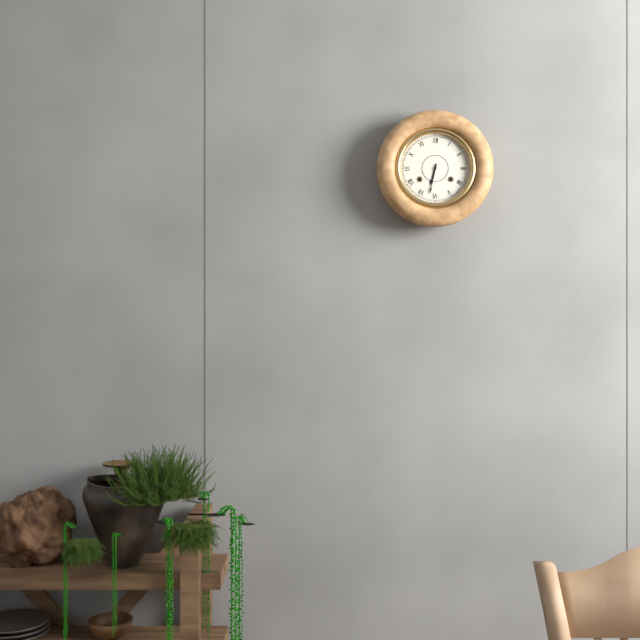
**6:32**
